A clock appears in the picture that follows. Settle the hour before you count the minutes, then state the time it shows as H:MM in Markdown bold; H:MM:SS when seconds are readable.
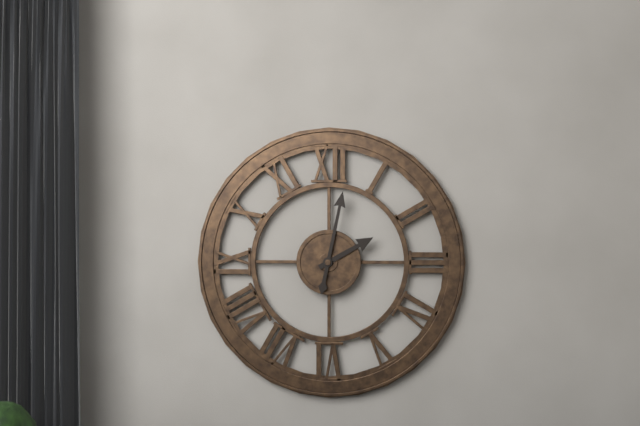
**2:02**
